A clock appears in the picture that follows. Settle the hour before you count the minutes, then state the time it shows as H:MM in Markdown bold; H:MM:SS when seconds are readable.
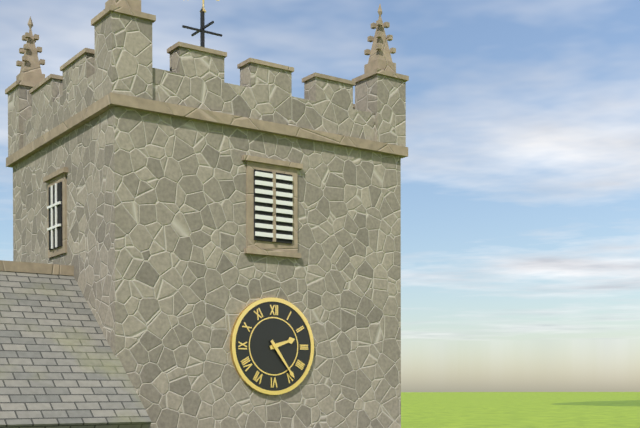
**2:24**
